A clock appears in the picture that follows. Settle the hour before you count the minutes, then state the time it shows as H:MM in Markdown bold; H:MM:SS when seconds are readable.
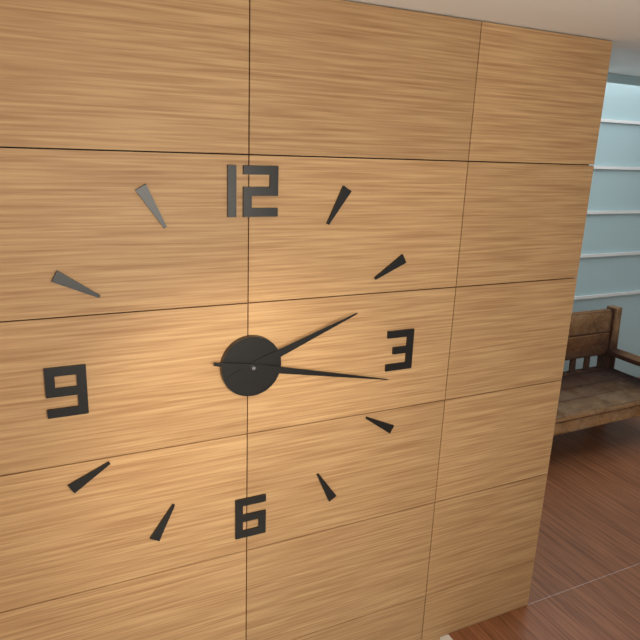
**2:17**
